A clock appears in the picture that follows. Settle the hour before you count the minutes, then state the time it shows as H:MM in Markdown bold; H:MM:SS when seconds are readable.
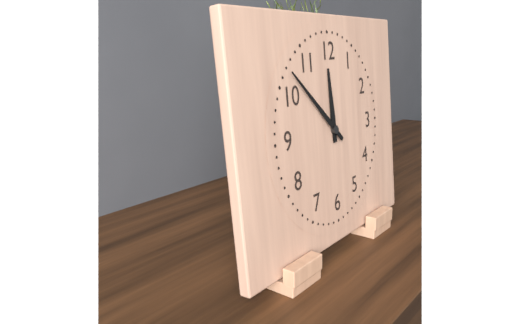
**11:52**
